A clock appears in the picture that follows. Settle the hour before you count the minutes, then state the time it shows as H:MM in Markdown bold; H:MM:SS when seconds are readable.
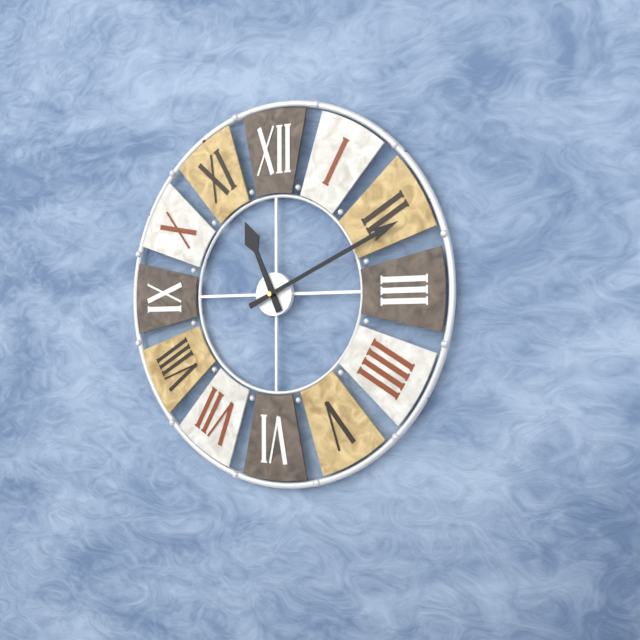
**11:11**
